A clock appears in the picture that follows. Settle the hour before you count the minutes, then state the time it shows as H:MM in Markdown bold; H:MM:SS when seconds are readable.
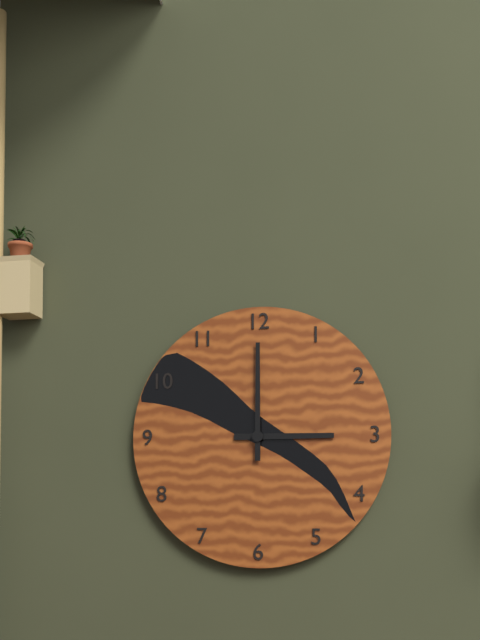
**3:00**
